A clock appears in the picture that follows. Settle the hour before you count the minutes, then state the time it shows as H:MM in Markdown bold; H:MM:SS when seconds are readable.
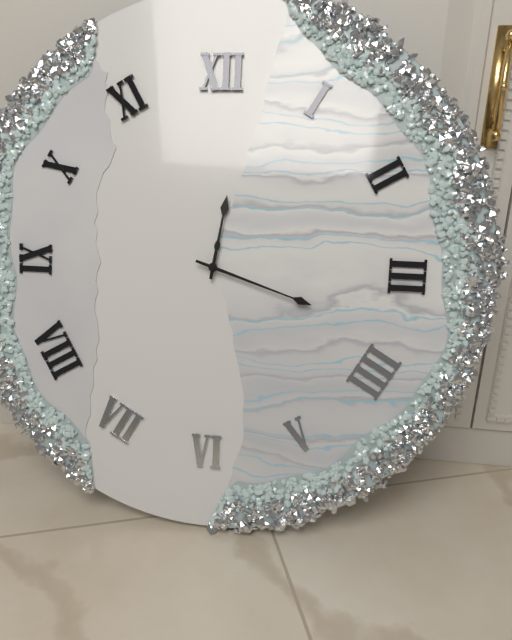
**12:18**
